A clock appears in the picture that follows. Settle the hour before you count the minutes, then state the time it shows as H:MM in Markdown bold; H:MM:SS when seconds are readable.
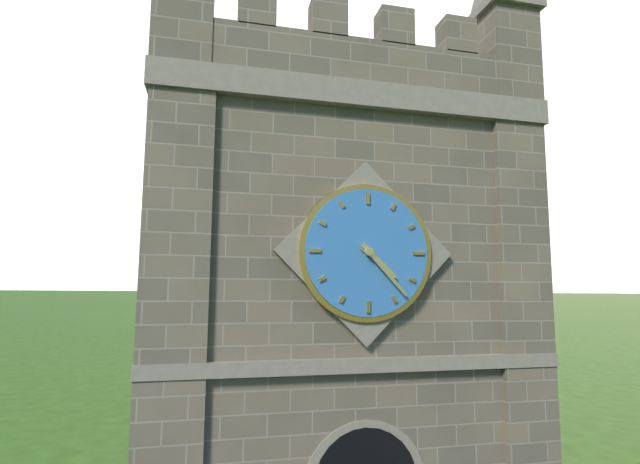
**4:23**
